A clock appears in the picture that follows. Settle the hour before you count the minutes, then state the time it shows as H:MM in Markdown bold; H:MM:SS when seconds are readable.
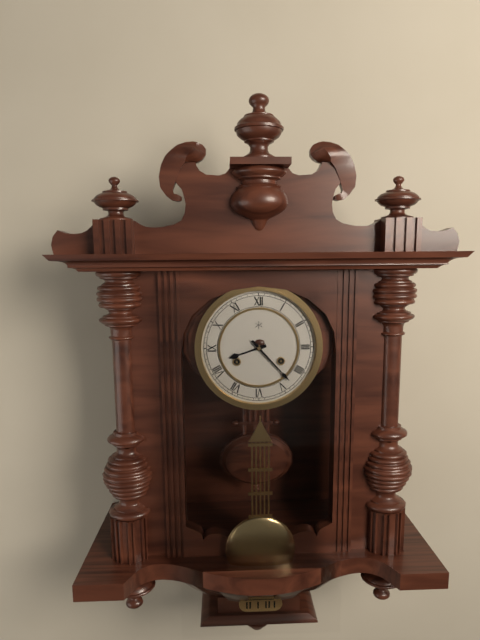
**8:23**
